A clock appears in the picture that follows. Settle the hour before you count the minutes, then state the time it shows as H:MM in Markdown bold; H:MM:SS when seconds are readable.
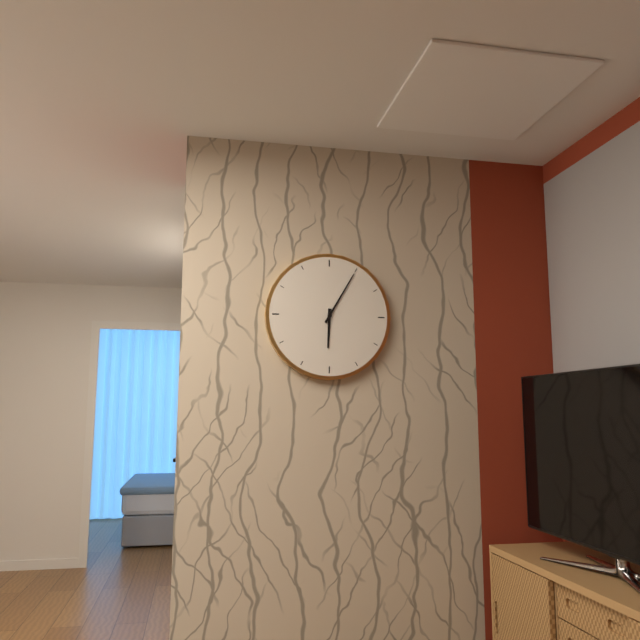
**6:05**
